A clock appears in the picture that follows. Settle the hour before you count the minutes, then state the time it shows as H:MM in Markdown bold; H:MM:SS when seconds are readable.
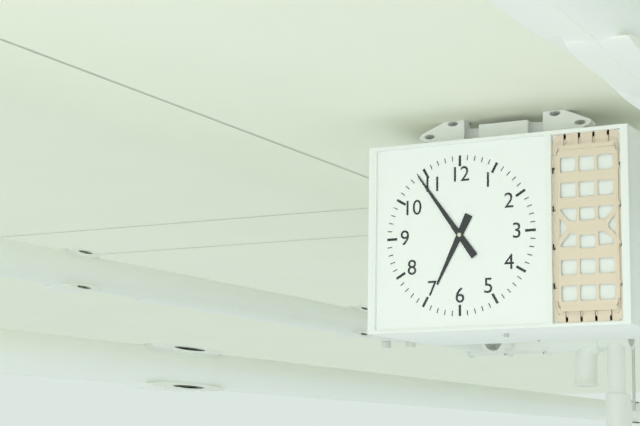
**6:54**
